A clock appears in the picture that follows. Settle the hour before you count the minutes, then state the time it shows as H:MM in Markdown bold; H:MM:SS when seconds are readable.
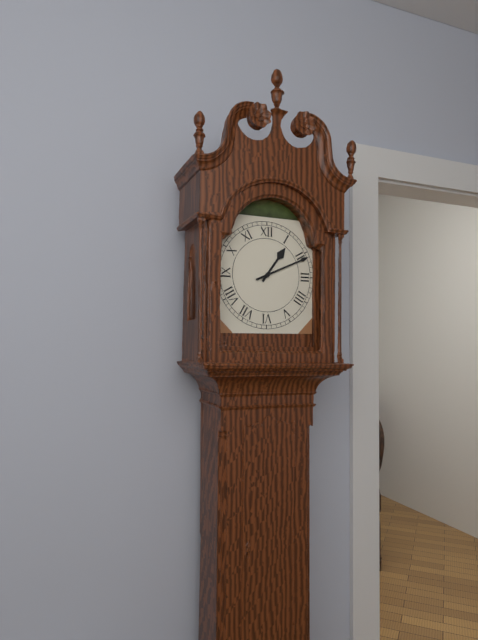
**1:11**
